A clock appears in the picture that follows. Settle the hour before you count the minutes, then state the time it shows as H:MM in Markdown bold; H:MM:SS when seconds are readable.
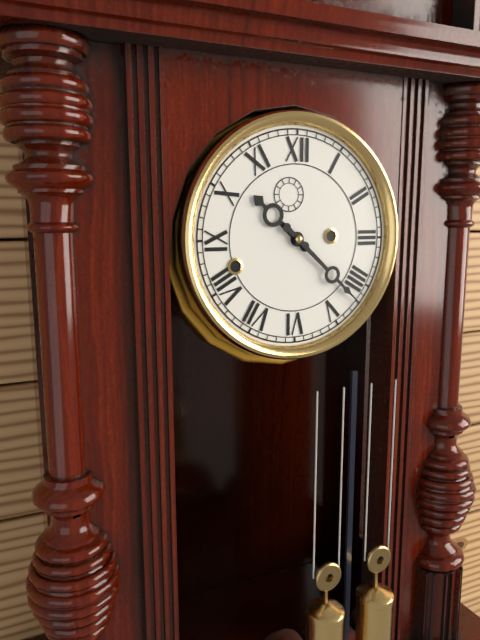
**10:22**
